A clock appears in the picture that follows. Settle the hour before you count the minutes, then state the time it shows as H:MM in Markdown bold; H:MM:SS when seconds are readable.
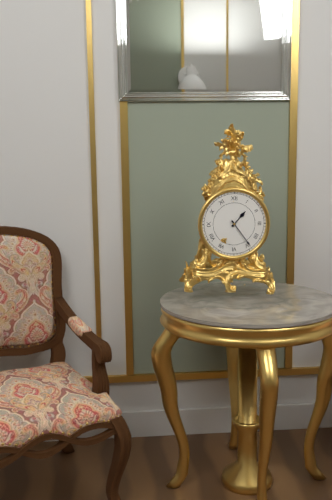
**1:24**
